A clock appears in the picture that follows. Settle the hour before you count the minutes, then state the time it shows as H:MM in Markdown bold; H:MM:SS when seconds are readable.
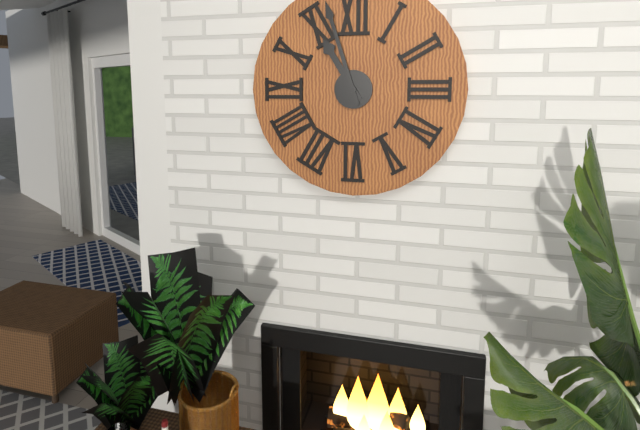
**10:57**
